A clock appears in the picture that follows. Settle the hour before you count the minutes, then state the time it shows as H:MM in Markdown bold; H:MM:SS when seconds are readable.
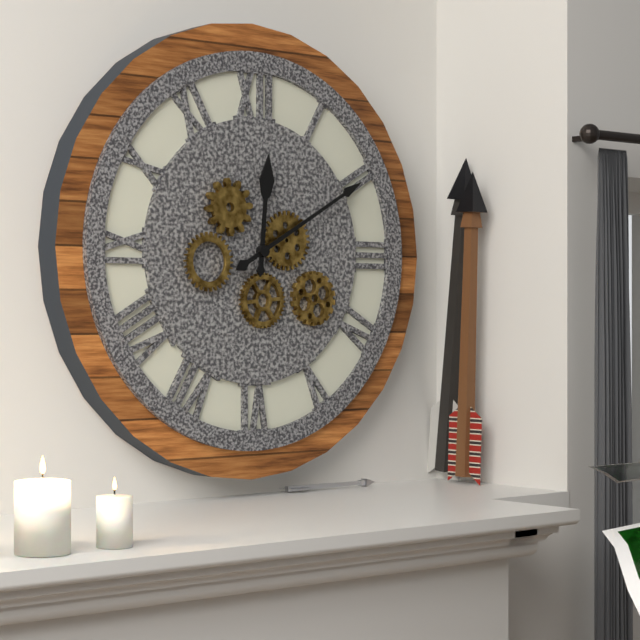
**12:10**
